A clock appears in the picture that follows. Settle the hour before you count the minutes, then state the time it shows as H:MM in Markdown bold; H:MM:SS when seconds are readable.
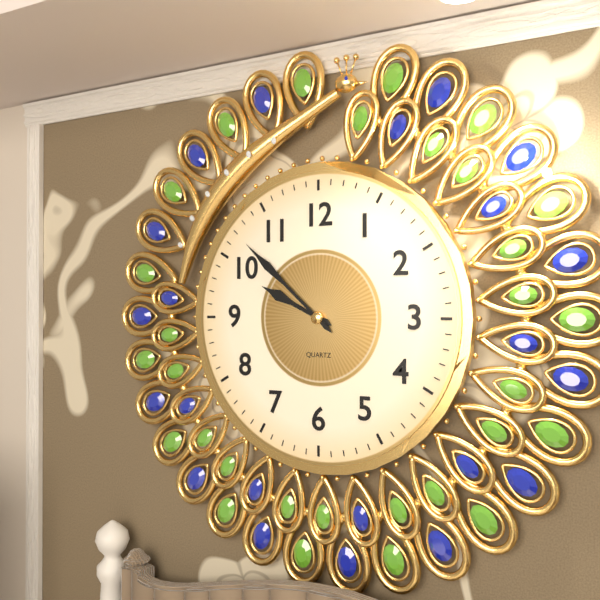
**9:52**
